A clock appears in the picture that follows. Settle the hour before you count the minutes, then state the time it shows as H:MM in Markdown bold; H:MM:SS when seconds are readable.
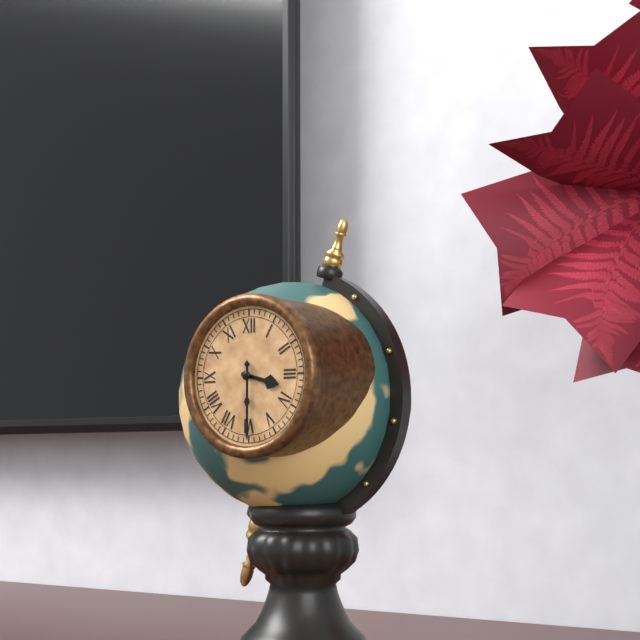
**3:30**
